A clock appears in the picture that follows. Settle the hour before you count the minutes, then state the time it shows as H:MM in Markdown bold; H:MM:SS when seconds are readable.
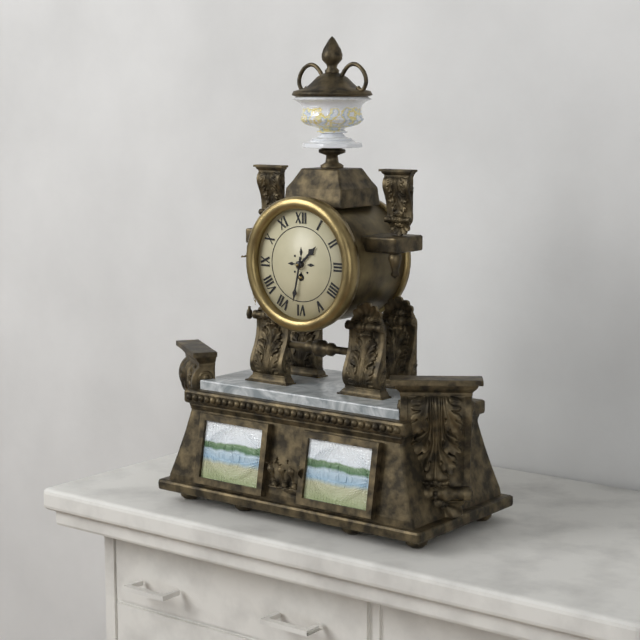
**1:32**
